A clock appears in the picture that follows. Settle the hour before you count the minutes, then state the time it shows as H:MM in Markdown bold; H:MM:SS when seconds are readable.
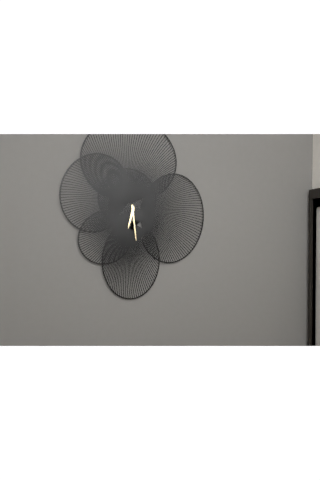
**6:29**
